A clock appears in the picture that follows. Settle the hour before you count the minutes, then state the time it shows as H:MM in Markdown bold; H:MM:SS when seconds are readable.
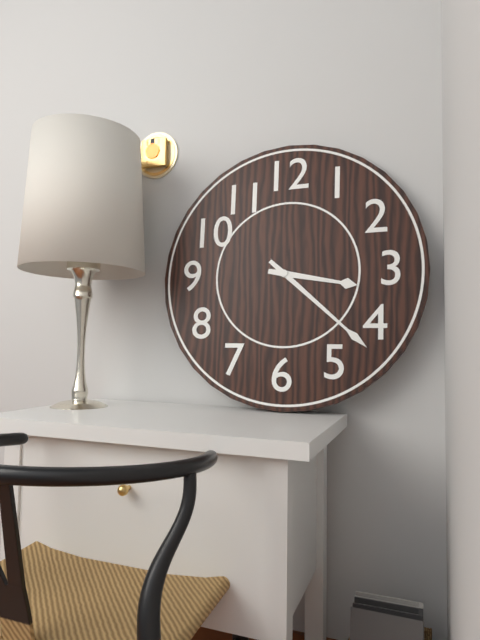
**3:22**
